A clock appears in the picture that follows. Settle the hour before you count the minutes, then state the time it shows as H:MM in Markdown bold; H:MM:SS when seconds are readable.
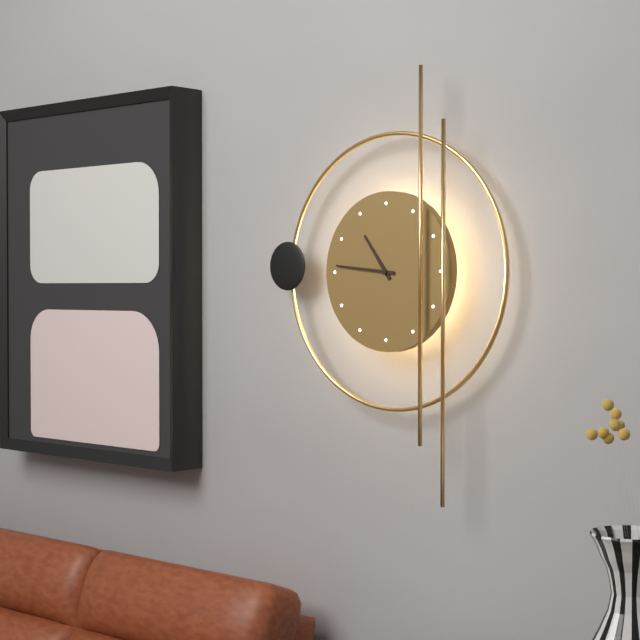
**10:46**
